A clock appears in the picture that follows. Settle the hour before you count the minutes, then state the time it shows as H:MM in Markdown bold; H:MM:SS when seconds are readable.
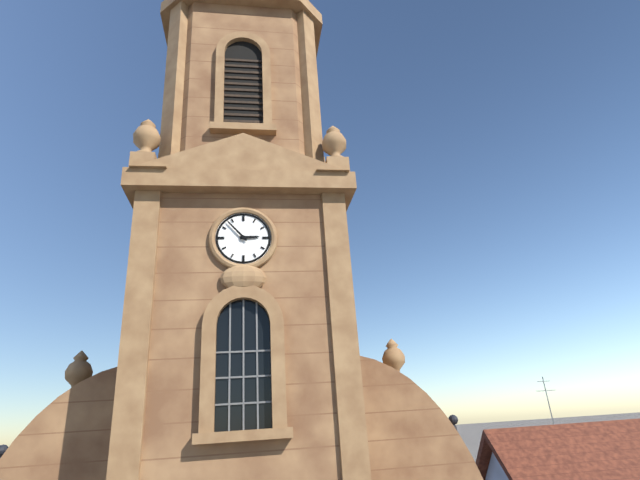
**2:53**
